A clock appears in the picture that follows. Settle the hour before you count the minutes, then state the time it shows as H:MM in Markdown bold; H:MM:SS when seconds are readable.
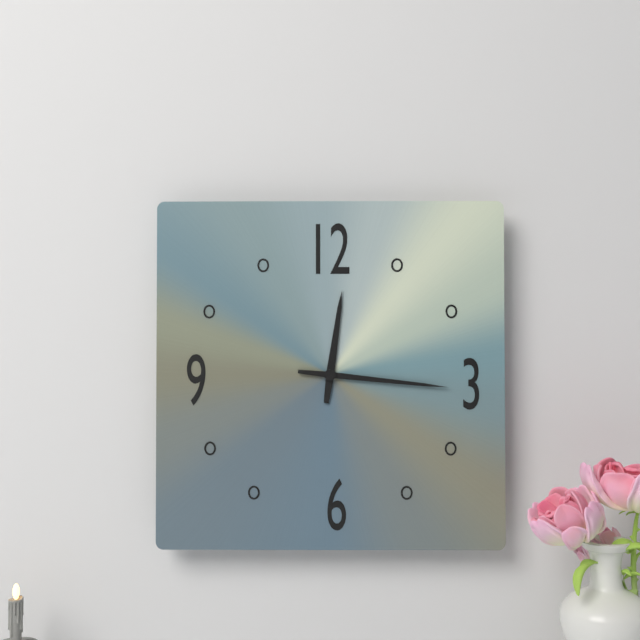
**12:16**
